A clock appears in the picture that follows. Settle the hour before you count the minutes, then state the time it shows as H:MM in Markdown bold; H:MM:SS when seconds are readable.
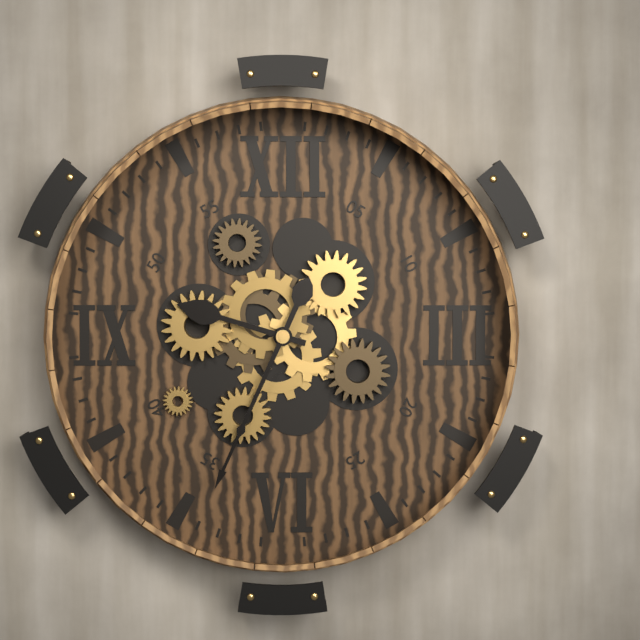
**9:34**
